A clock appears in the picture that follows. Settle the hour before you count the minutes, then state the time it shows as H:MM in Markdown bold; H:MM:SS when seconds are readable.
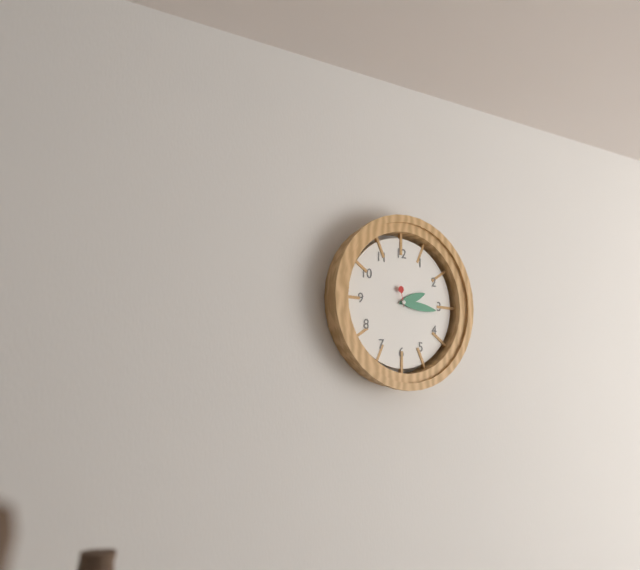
**2:16**
